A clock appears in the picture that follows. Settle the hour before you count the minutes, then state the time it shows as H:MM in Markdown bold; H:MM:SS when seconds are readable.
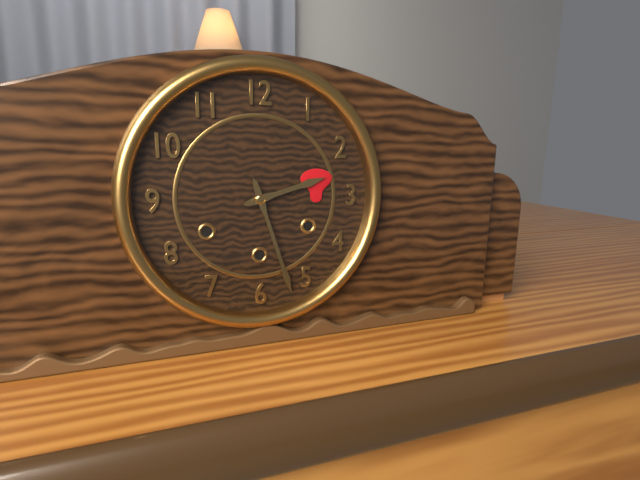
**2:27**
